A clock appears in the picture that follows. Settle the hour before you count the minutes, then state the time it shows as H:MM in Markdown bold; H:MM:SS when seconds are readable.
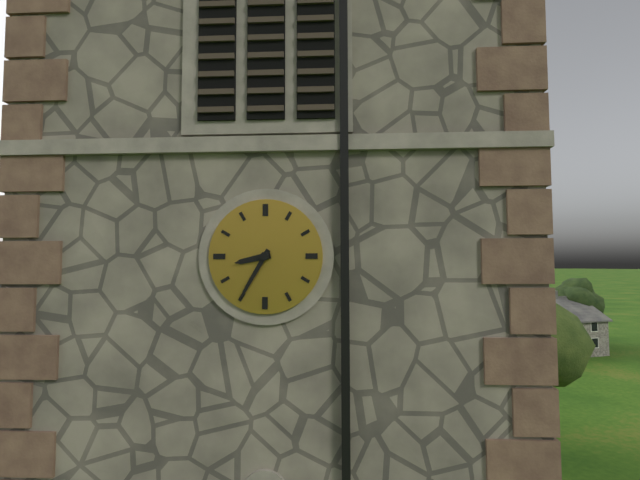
**8:35**
